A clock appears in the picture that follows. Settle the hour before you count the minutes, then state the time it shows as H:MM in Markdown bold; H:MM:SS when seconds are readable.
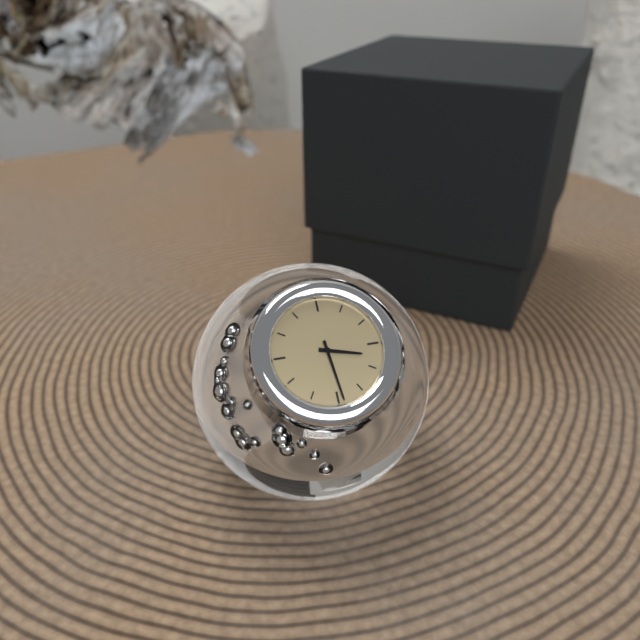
**3:29**
